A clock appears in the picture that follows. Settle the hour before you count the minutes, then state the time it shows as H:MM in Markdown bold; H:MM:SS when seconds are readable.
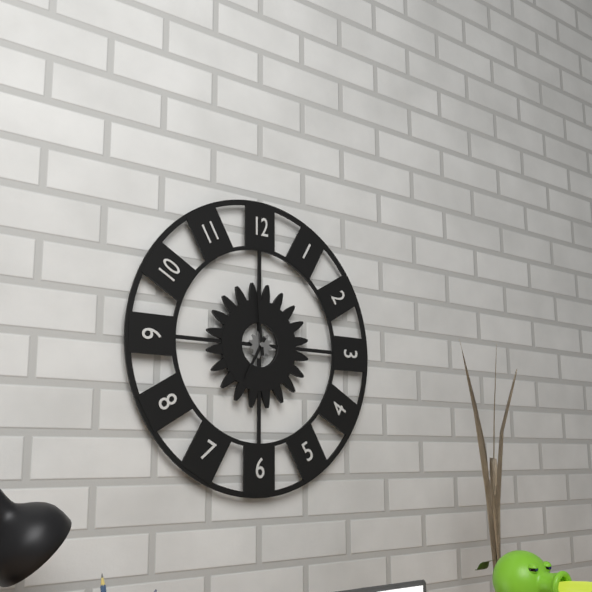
**6:59**
